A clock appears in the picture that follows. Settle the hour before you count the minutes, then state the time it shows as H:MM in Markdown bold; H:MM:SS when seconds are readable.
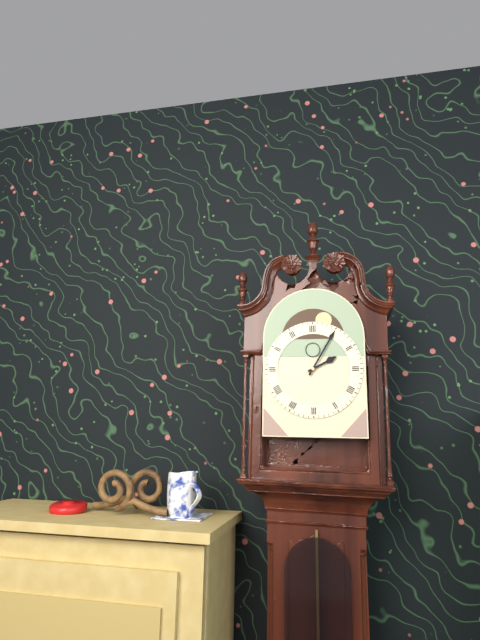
**2:05**
